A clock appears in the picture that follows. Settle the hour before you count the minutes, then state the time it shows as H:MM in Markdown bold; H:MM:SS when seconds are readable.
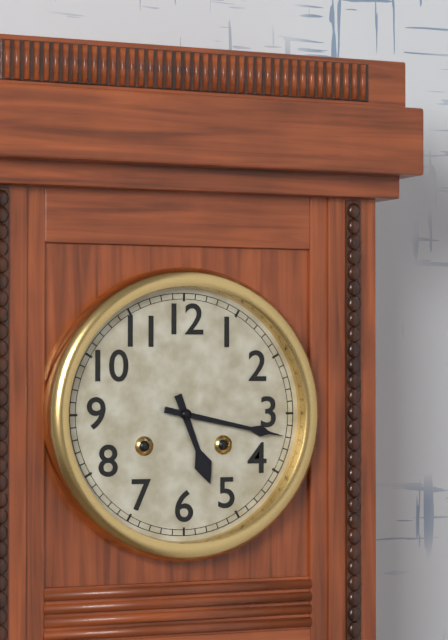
**5:17**
